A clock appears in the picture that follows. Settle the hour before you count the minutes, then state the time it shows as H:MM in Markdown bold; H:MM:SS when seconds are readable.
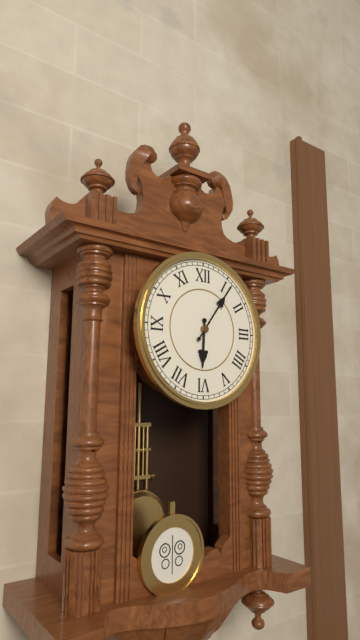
**6:06**
